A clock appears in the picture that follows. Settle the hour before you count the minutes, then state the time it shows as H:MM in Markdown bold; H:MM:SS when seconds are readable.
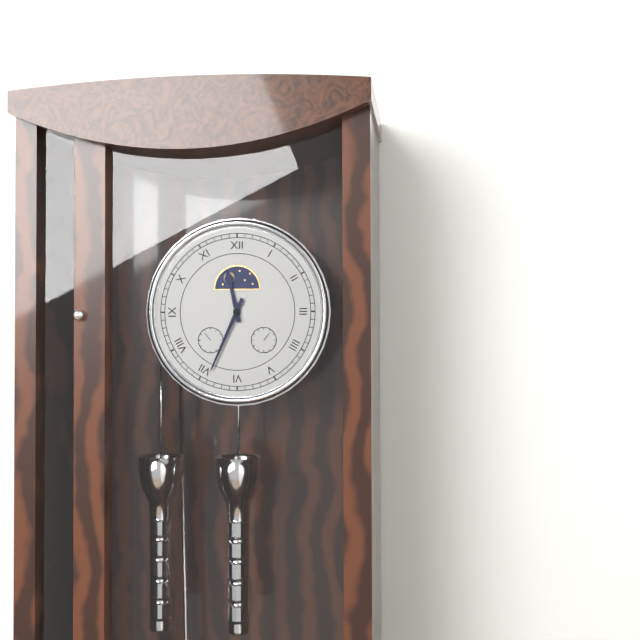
**11:34**
